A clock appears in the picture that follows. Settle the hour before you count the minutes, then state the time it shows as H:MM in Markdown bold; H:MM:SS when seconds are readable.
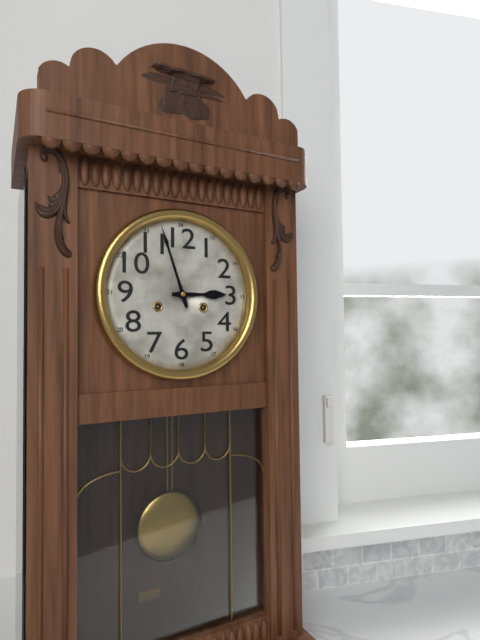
**2:57**
